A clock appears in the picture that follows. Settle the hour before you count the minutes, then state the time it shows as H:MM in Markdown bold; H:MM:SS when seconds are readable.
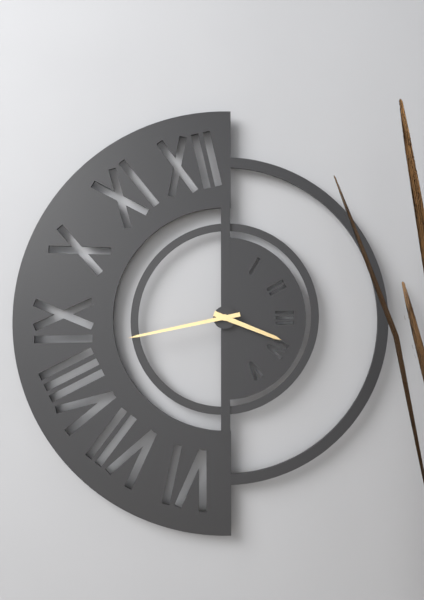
**3:43**
